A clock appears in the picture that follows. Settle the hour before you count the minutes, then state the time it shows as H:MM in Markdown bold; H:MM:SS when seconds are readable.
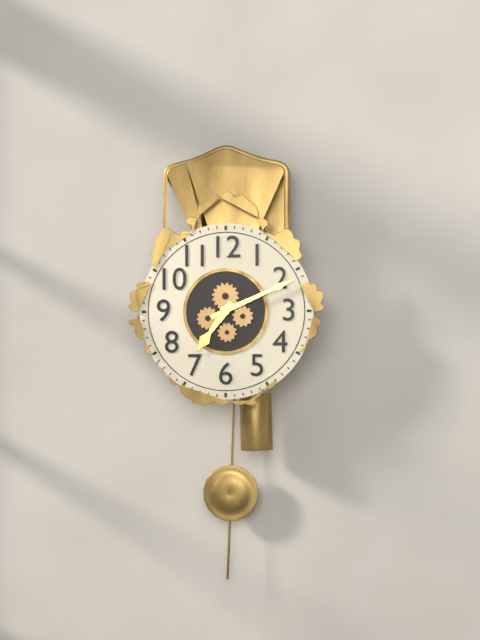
**7:11**
